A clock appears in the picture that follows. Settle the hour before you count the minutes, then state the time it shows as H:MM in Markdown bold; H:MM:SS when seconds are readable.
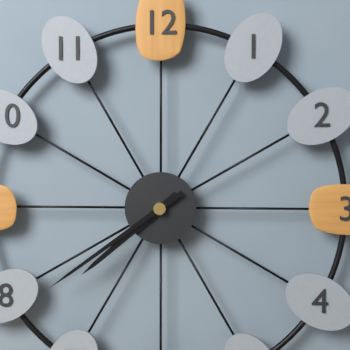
**7:39**
